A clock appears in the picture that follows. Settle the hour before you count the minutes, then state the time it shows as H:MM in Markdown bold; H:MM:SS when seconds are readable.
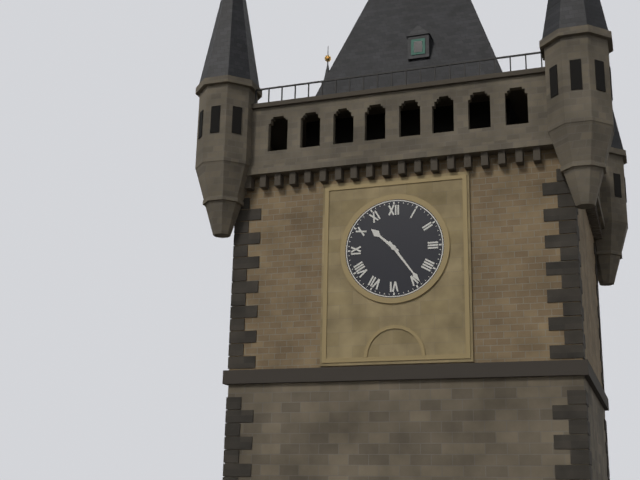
**10:24**
